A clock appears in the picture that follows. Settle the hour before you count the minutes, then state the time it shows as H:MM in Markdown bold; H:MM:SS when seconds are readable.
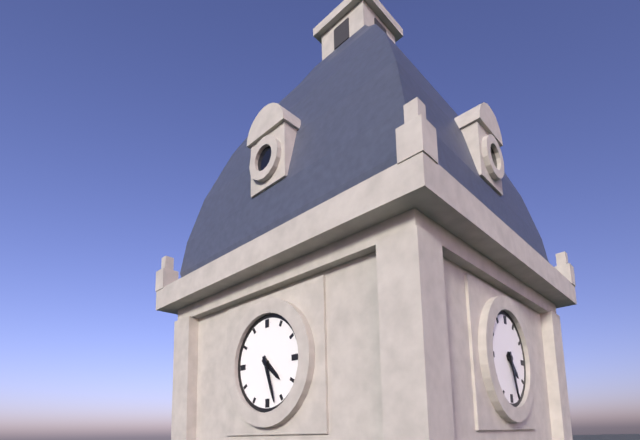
**4:27**
